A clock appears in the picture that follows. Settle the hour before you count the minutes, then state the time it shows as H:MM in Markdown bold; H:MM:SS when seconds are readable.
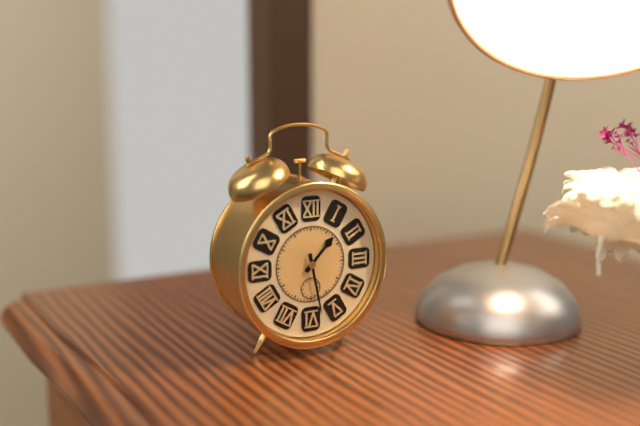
**1:28**
